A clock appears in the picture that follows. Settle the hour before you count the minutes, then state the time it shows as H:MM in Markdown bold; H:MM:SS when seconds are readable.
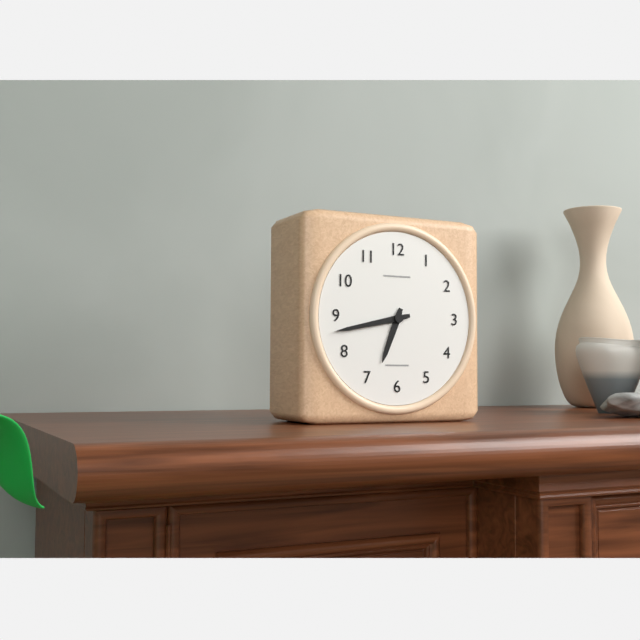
**6:43**
